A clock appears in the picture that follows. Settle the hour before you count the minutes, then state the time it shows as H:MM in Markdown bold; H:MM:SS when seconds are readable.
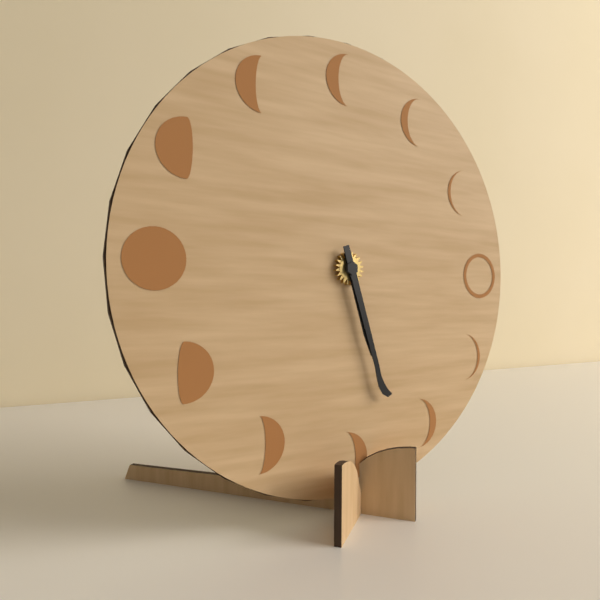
**5:27**
